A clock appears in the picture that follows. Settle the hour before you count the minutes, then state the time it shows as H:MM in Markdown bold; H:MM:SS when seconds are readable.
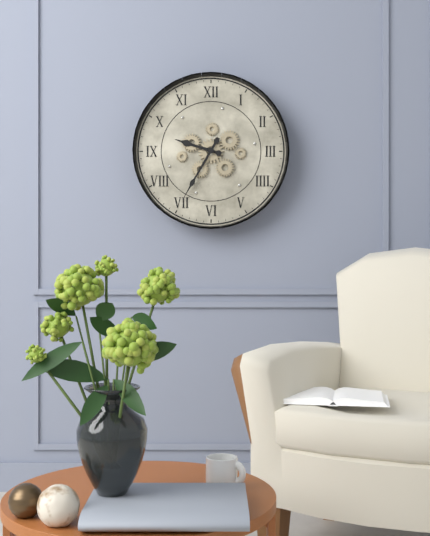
**9:35**
